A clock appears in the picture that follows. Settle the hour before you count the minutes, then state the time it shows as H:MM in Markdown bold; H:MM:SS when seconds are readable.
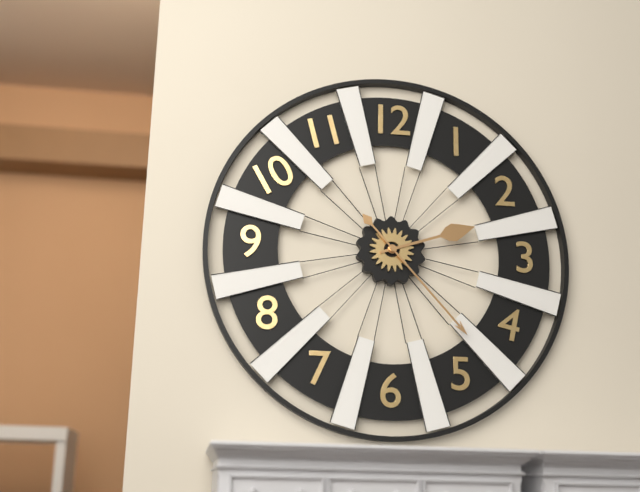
**2:23**
